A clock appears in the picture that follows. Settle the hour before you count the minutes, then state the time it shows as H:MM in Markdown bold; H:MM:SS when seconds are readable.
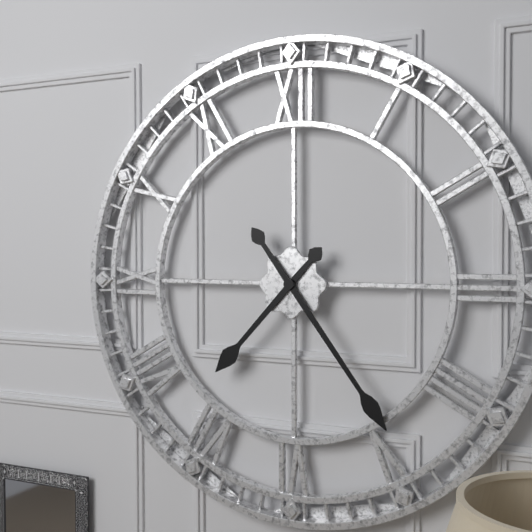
**7:24**
